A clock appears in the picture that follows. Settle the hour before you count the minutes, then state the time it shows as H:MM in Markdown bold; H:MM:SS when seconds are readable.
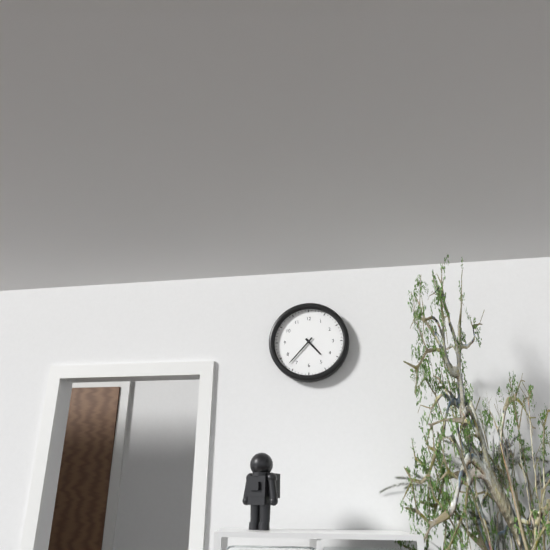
**4:37**
